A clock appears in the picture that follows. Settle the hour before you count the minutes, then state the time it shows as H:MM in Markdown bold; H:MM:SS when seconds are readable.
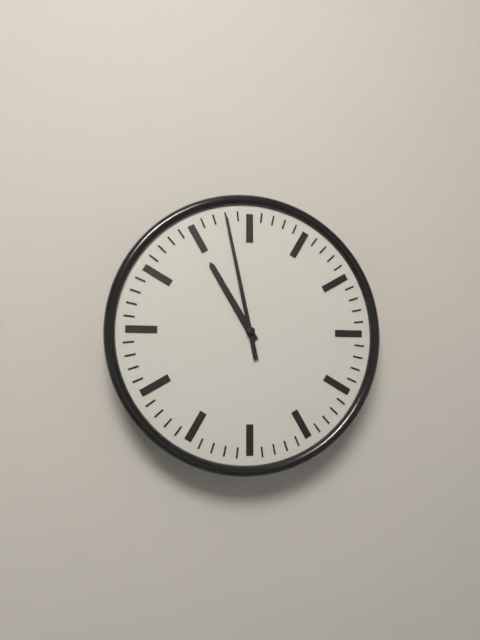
**10:58**
